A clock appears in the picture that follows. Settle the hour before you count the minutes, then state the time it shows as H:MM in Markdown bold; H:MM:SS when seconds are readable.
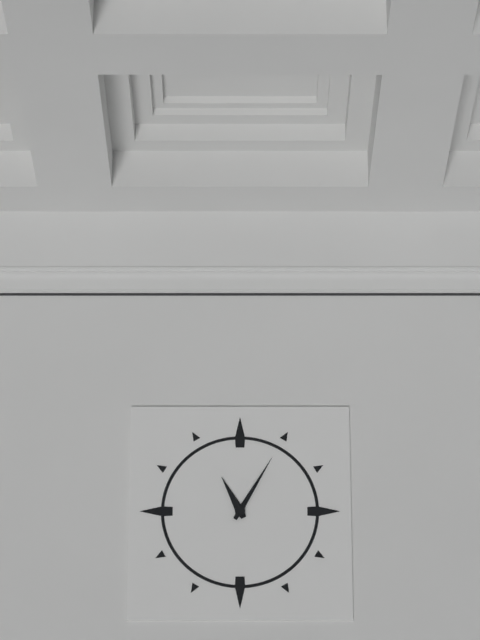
**11:05**
